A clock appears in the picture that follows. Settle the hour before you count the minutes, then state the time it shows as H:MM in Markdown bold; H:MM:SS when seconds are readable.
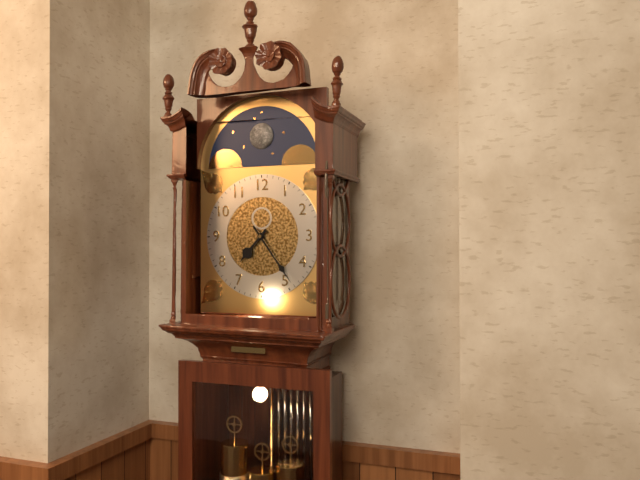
**7:24**
